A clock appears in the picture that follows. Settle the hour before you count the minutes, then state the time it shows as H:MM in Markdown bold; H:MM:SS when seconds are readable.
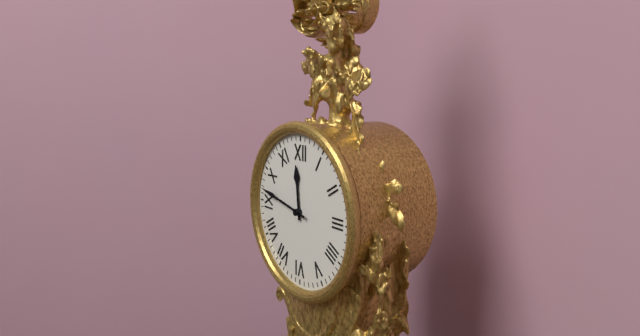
**11:47**
